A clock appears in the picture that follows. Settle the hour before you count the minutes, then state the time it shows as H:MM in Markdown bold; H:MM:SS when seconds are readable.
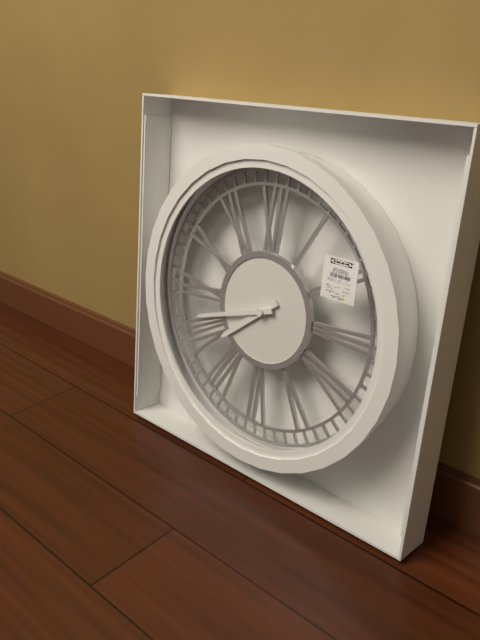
**7:42**
